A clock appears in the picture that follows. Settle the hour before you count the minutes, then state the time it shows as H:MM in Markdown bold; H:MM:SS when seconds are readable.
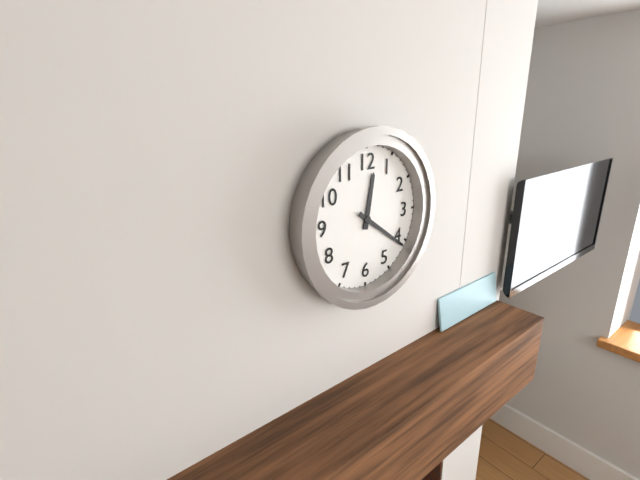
**12:21**
